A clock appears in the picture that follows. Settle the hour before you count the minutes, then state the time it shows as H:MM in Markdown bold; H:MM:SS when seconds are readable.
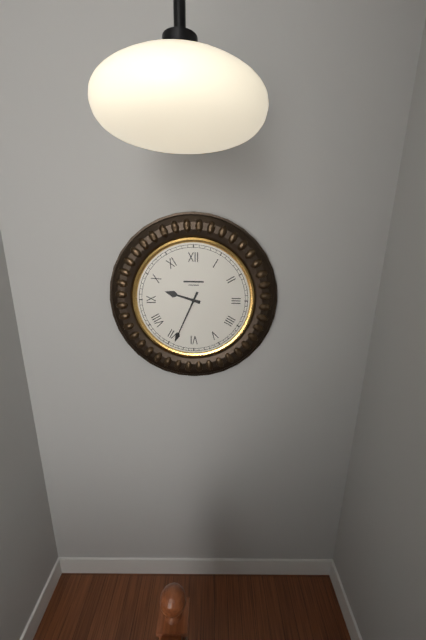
**9:34**
